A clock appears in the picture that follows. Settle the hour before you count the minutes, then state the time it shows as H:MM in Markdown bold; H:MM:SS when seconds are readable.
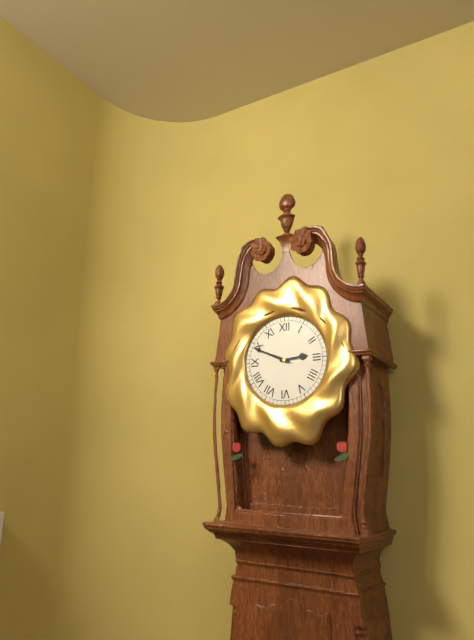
**2:49**
